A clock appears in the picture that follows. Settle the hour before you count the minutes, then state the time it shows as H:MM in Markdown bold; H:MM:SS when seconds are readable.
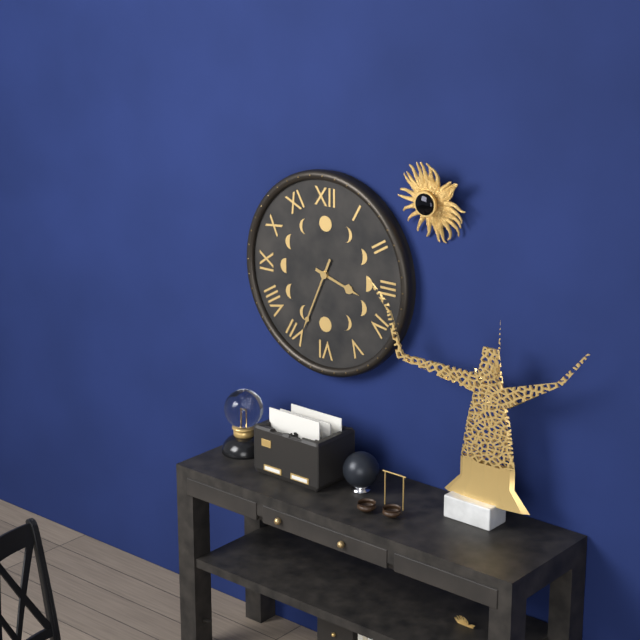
**3:34**
